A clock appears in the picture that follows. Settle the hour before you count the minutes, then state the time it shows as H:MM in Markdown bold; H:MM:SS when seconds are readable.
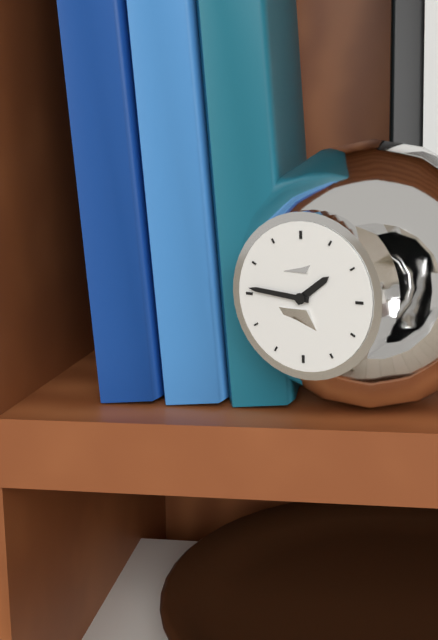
**1:46**
